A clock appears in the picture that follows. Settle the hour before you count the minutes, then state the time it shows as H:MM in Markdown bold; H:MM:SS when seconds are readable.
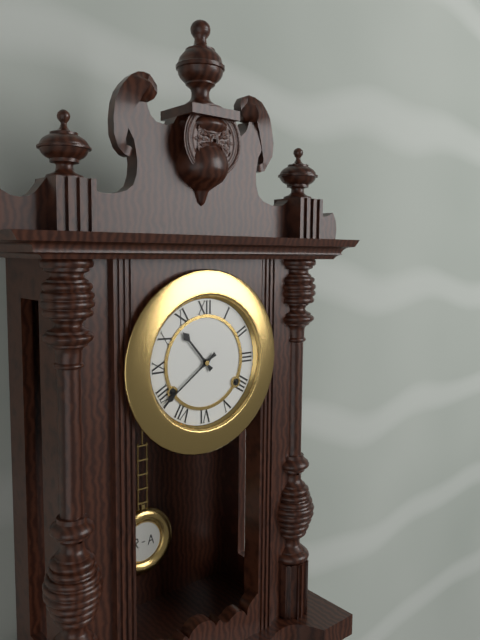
**10:39**
